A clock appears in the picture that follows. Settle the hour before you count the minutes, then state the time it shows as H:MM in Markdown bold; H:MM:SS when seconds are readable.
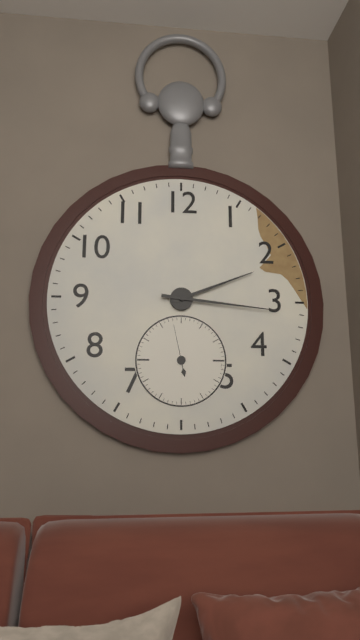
**2:16**
